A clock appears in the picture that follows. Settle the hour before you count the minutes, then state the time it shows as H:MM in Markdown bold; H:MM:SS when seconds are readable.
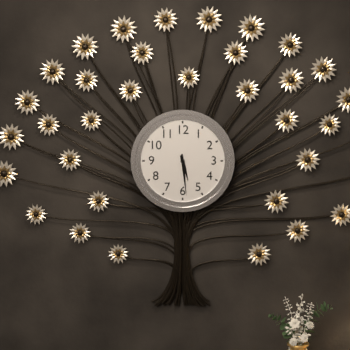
**5:29**
